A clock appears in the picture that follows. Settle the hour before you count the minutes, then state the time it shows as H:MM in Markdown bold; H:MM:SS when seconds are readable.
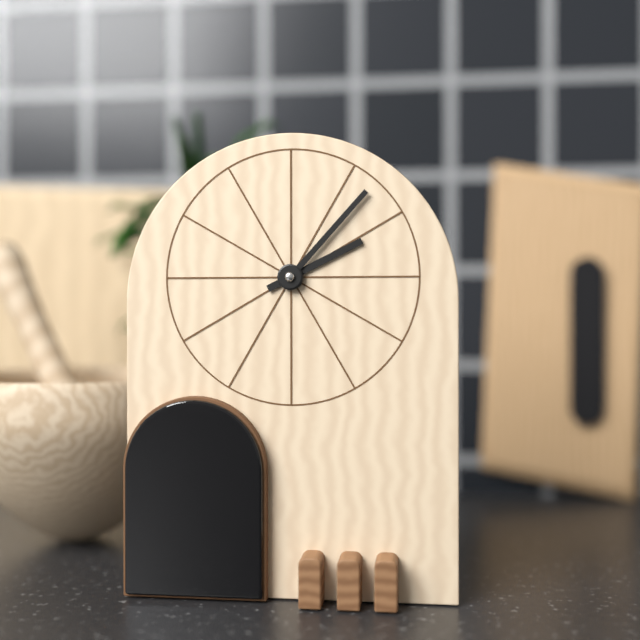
**2:07**
